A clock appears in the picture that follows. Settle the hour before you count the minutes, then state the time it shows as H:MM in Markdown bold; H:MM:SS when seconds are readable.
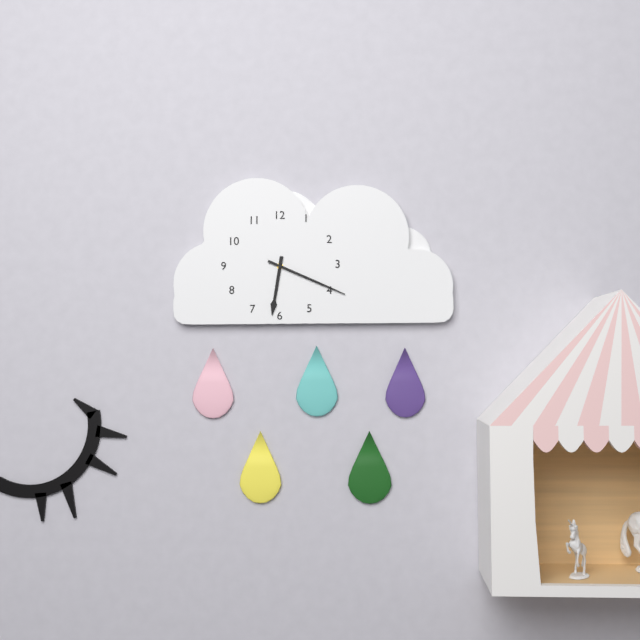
**6:19**
